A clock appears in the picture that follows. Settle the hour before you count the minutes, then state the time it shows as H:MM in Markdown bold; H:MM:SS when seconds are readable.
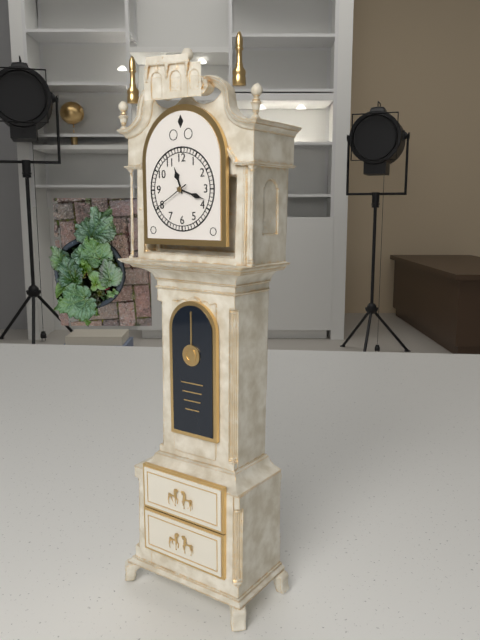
**11:18**
